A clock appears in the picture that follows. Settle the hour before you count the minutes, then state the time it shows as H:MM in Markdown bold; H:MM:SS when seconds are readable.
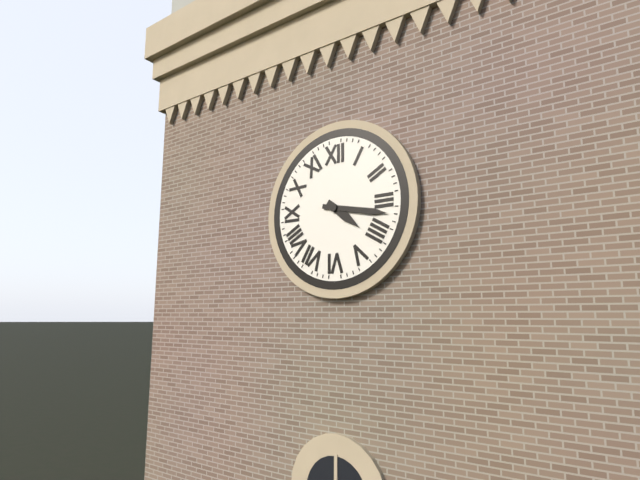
**4:17**
